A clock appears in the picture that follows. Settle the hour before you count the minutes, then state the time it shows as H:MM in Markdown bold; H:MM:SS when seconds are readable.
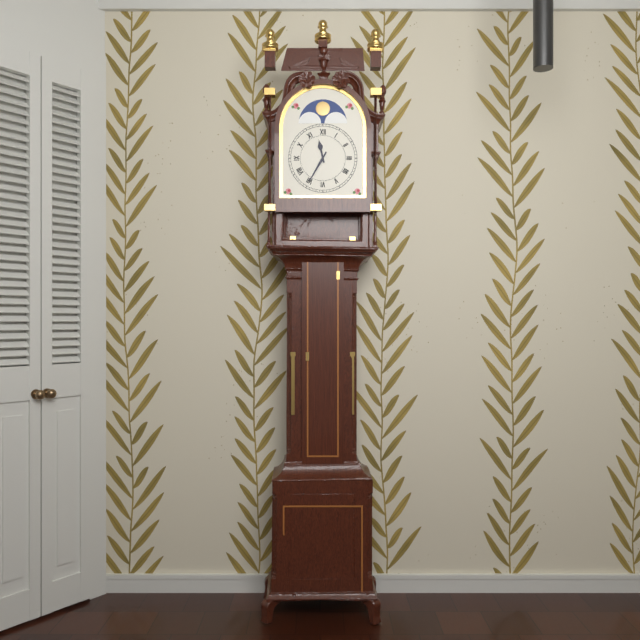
**11:35**
